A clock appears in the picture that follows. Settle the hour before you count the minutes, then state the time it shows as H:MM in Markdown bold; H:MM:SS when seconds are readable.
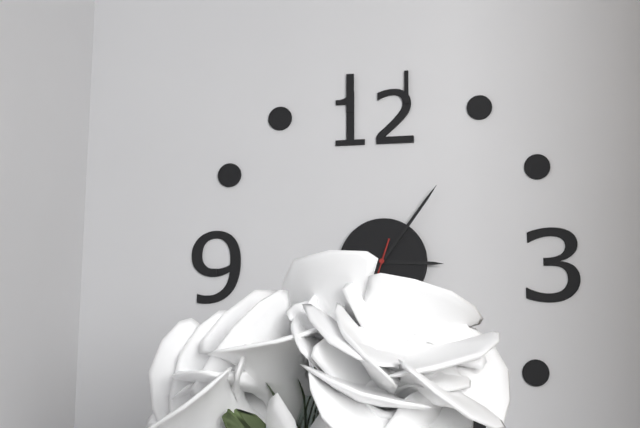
**3:06**
